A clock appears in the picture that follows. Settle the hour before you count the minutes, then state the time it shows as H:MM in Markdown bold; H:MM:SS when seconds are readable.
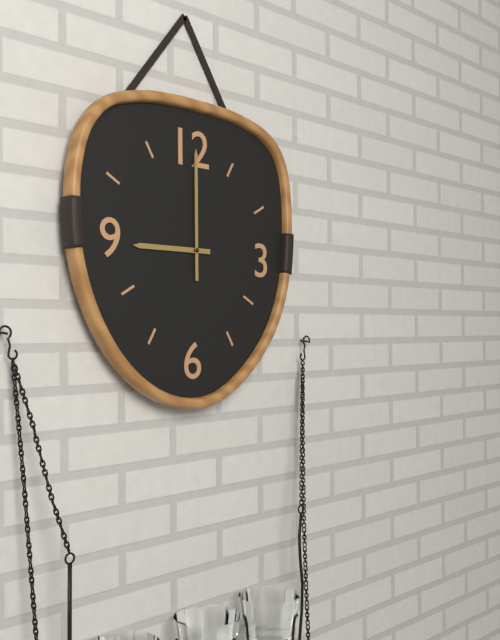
**9:00**
